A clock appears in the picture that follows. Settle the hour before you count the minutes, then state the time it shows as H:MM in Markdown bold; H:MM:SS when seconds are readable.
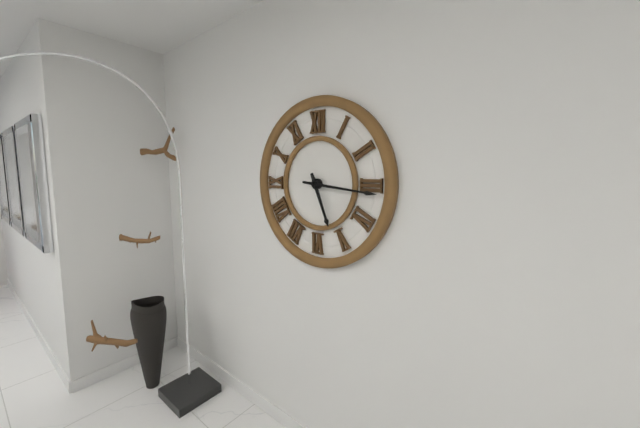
**5:16**
